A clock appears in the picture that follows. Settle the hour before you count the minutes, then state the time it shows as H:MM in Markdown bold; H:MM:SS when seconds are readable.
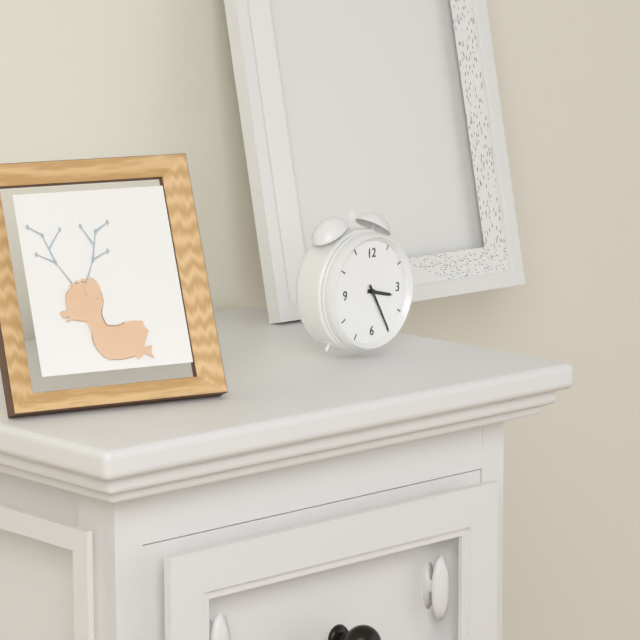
**3:25**
